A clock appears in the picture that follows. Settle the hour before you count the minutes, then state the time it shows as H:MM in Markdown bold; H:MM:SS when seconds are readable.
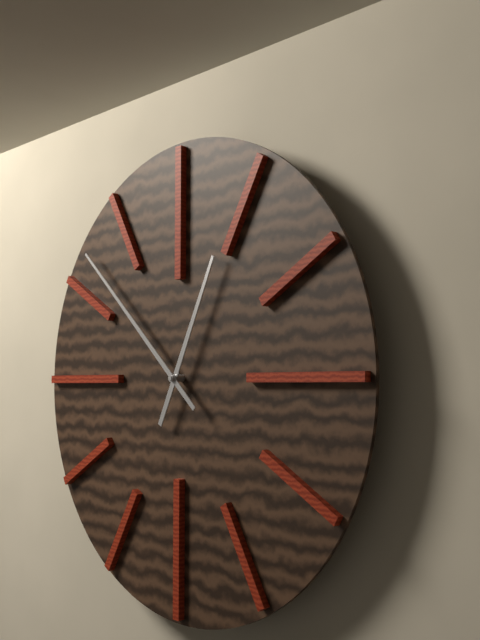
**12:52**
